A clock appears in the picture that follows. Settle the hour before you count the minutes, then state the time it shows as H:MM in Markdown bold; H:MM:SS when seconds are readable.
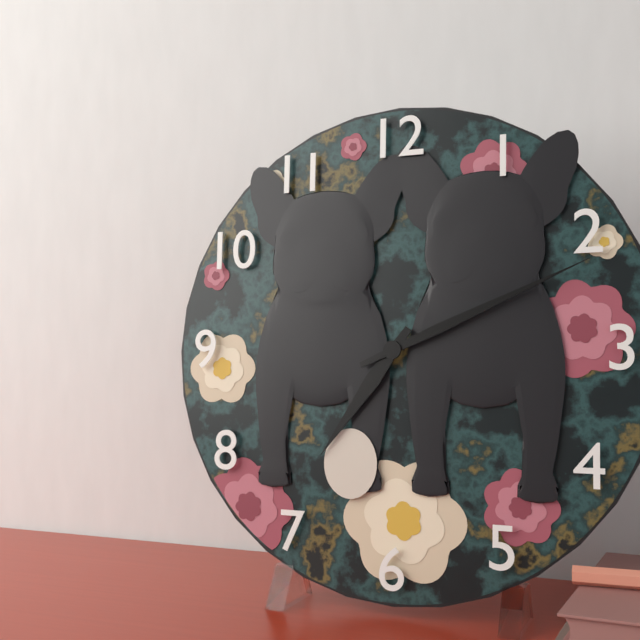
**7:11**
